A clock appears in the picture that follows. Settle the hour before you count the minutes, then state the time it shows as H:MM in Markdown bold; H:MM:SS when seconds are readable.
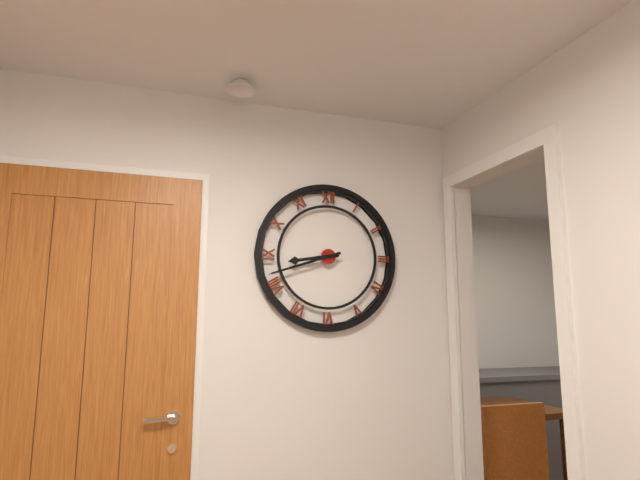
**8:42**
